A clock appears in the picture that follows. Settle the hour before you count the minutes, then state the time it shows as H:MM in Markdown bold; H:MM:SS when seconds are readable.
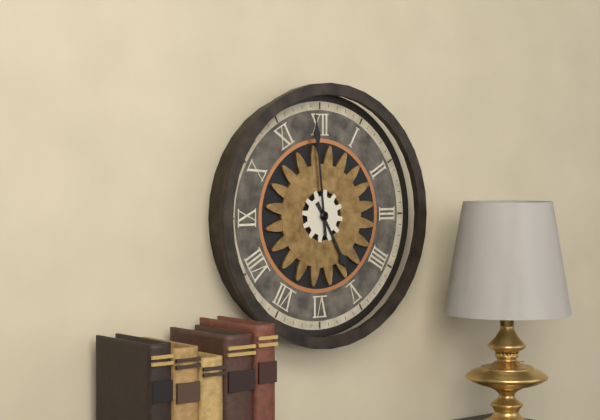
**4:59**
